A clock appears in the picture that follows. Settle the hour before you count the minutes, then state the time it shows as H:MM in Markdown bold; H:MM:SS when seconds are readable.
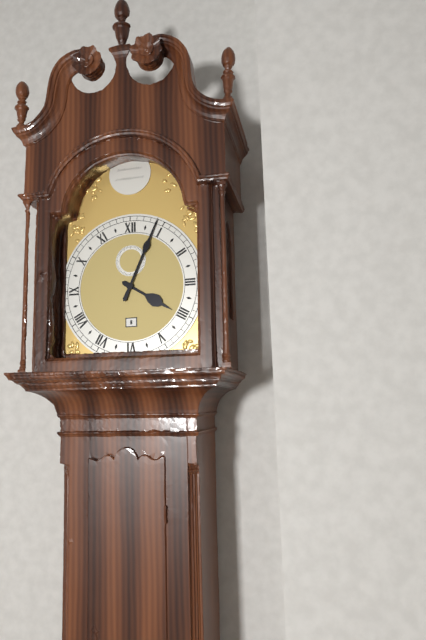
**4:04**
